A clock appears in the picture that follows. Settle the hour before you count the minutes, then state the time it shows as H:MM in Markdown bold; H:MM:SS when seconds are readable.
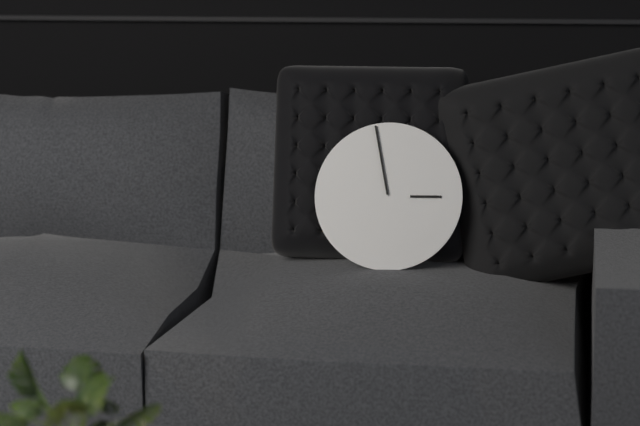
**2:58**
